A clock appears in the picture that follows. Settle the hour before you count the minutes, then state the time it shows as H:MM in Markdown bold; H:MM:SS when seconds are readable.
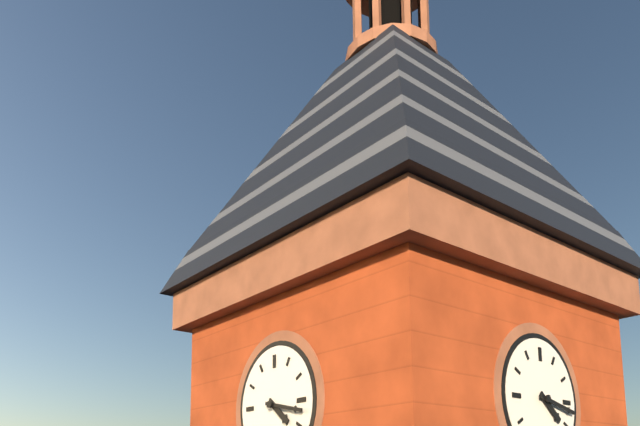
**4:17**
